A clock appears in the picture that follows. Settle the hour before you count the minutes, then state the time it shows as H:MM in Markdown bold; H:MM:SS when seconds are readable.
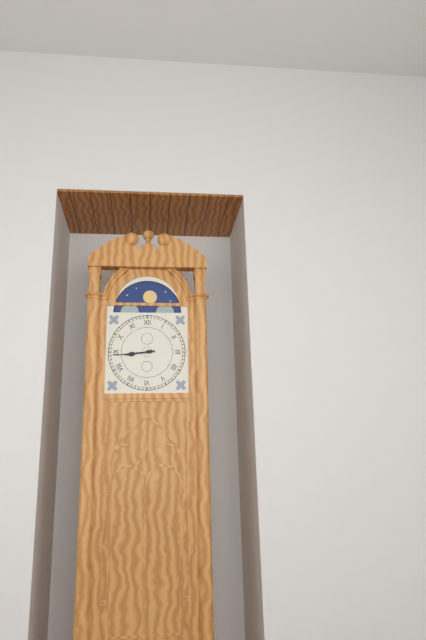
**8:44**
